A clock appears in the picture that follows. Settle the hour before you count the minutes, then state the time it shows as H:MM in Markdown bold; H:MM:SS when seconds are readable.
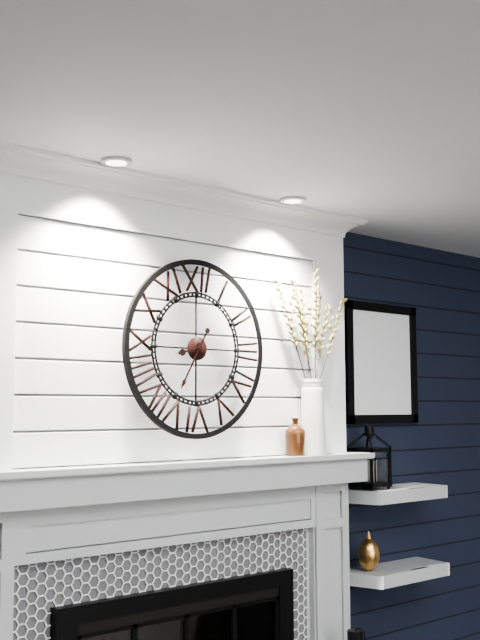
**8:35**
